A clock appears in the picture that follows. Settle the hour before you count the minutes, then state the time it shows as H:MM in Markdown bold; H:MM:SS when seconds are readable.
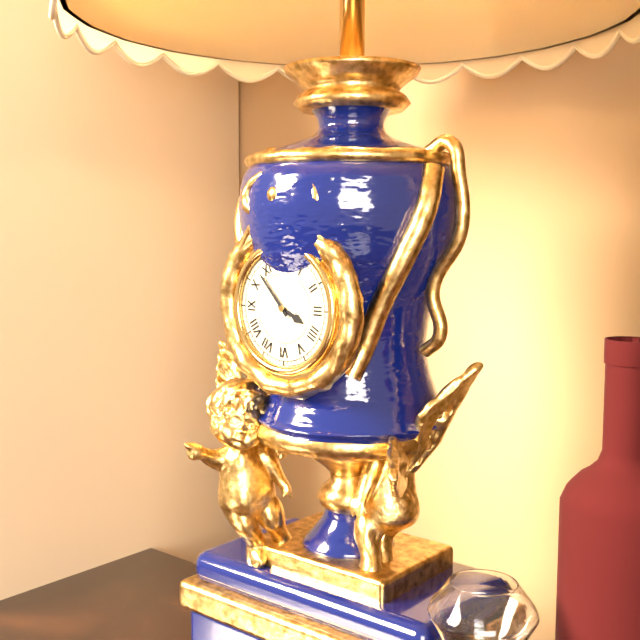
**3:53**
